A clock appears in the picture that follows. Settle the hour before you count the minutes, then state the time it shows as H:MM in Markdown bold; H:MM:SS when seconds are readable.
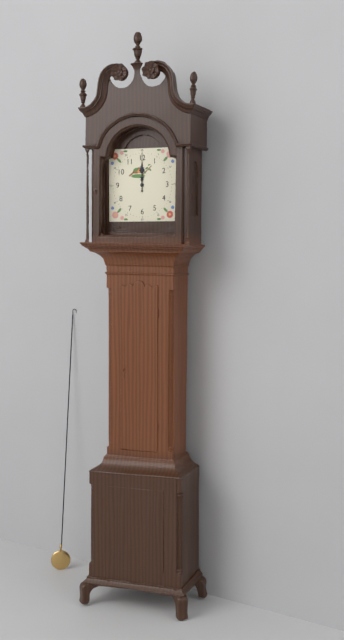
**12:00**
